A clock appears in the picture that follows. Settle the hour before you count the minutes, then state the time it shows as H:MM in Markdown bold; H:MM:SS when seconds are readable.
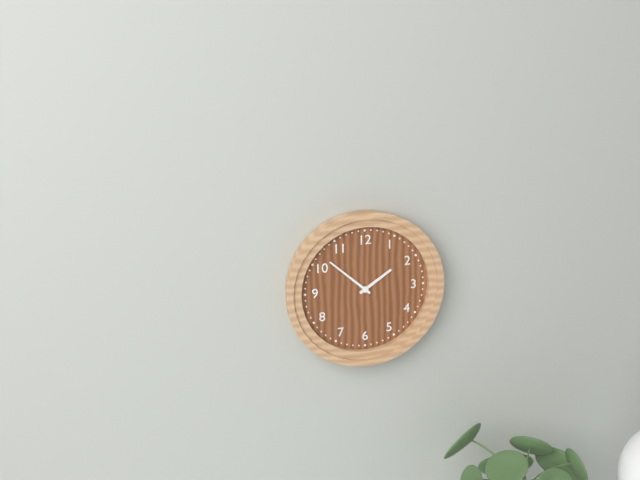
**1:52**
